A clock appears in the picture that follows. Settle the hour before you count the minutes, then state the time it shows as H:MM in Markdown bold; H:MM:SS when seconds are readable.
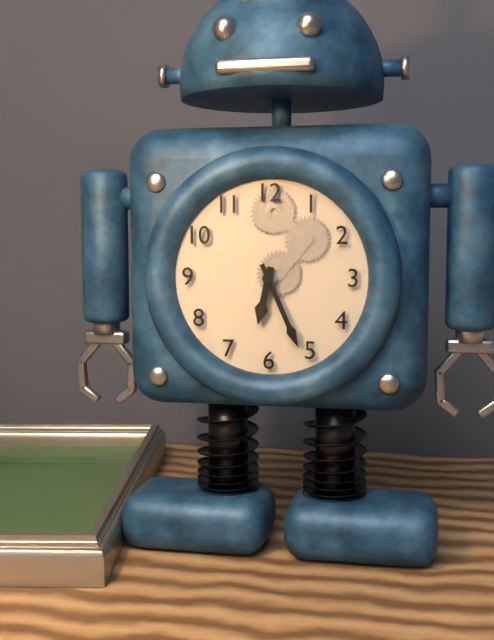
**6:26**
